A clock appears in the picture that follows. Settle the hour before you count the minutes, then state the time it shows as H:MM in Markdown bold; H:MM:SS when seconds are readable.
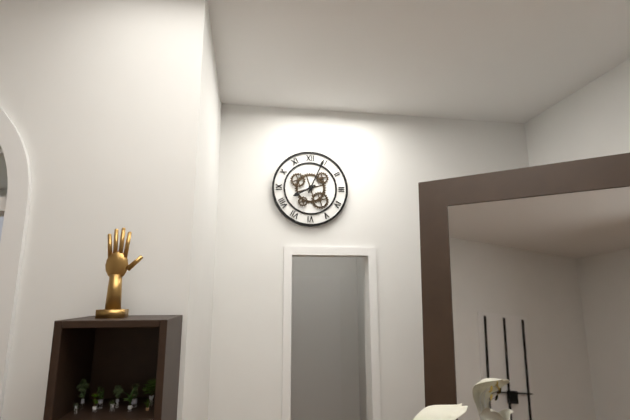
**8:04**
